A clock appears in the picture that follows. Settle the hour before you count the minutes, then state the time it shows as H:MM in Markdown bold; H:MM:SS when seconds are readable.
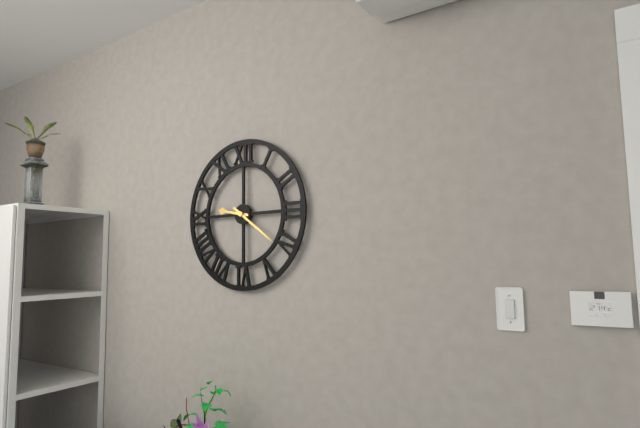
**9:21**
